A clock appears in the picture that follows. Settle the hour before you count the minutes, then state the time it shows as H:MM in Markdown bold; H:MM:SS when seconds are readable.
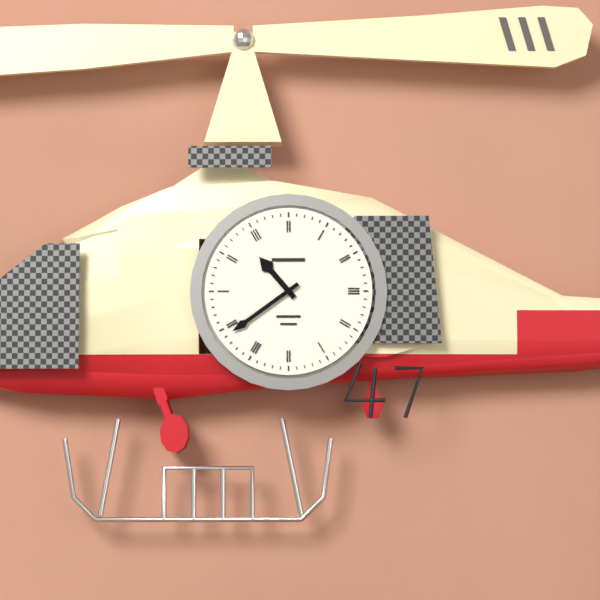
**10:39**
